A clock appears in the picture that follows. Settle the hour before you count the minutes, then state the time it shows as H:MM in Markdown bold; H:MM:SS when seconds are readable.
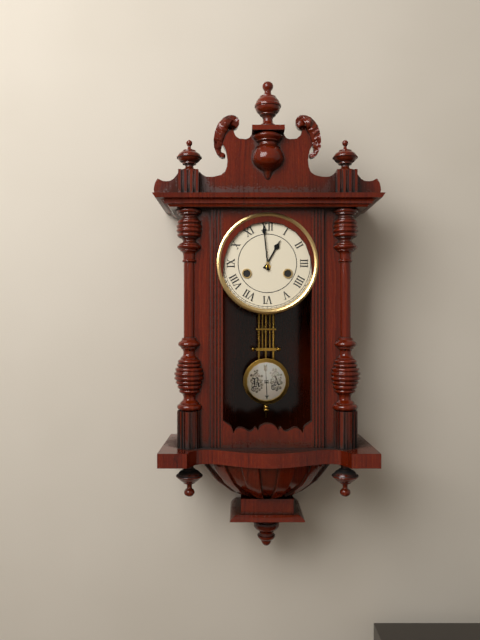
**12:59**
